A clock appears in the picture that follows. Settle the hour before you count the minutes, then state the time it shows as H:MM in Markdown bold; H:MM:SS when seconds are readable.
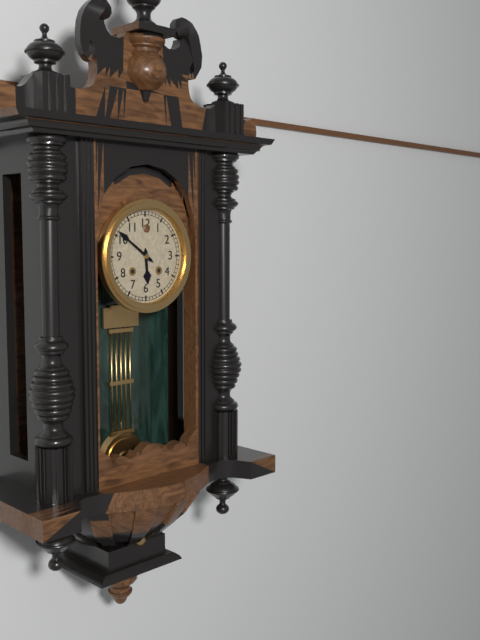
**5:51**
